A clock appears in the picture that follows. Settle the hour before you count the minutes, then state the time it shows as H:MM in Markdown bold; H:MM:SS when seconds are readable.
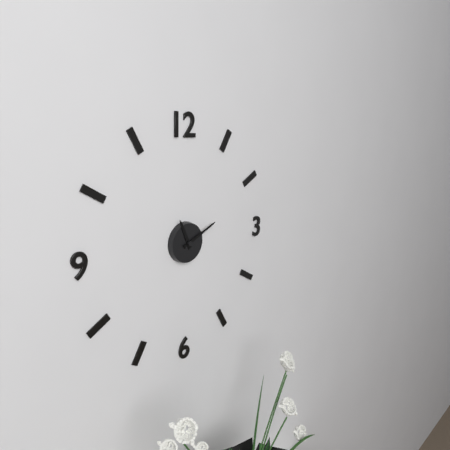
**11:11**
